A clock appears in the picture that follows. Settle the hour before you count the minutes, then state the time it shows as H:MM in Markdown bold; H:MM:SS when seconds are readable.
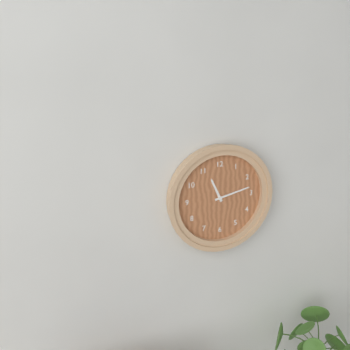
**11:13**
